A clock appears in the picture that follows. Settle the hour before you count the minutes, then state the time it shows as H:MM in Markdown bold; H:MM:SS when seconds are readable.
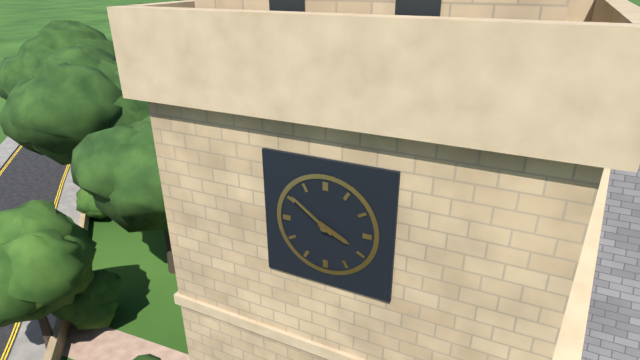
**3:51**
